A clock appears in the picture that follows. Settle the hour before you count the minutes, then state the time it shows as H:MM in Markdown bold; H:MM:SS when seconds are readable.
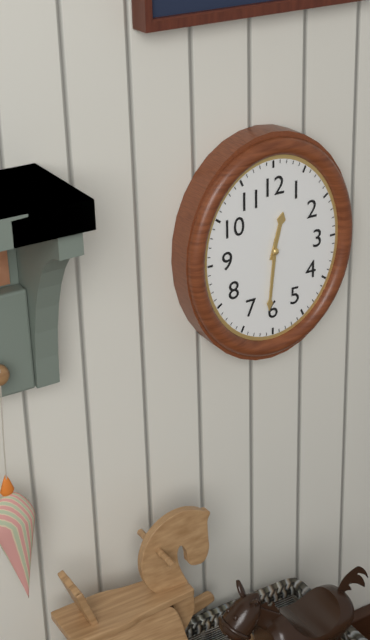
**12:31**
